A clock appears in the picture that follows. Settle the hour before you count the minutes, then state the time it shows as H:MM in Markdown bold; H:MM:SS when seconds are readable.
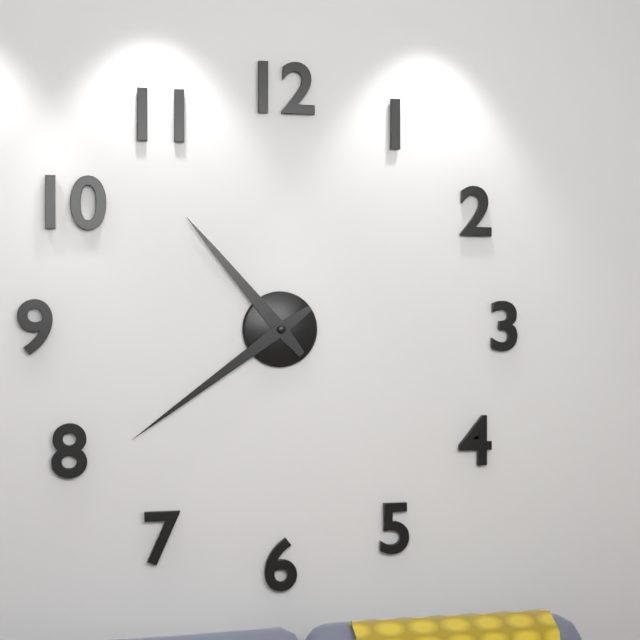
**10:39**
